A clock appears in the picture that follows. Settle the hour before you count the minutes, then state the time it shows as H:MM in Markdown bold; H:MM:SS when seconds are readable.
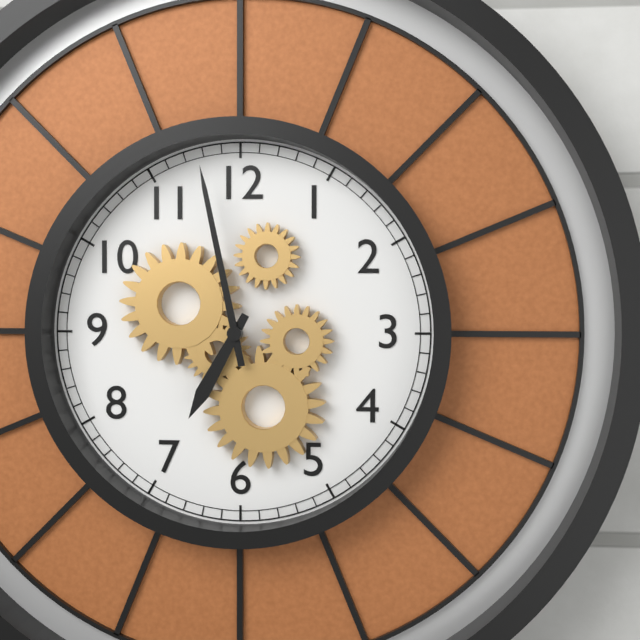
**6:58**
